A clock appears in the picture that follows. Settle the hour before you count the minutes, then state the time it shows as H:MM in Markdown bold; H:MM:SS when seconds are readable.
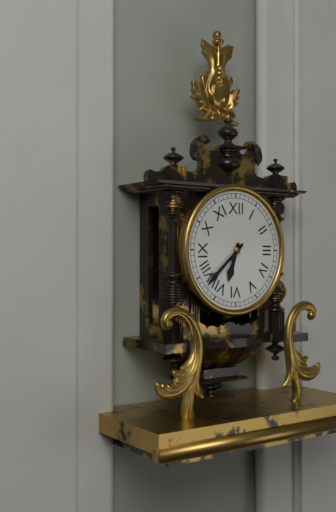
**6:38**
